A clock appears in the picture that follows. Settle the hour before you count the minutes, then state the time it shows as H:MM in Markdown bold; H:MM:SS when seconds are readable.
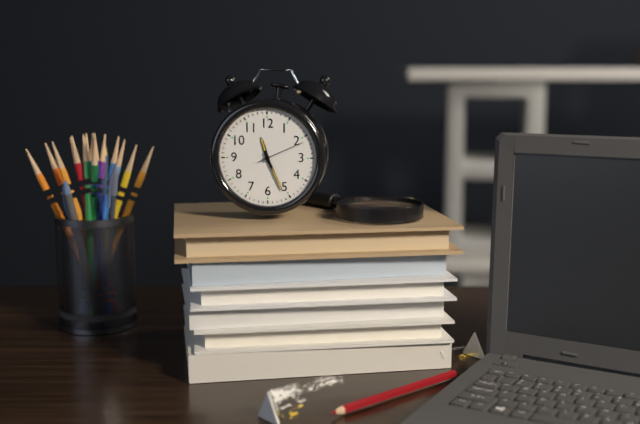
**11:26**
